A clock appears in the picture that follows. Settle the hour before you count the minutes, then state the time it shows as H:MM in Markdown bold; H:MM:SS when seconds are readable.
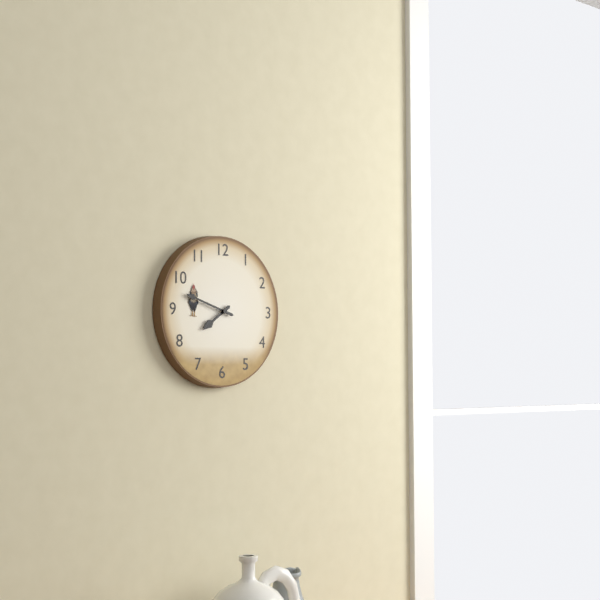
**7:48**
